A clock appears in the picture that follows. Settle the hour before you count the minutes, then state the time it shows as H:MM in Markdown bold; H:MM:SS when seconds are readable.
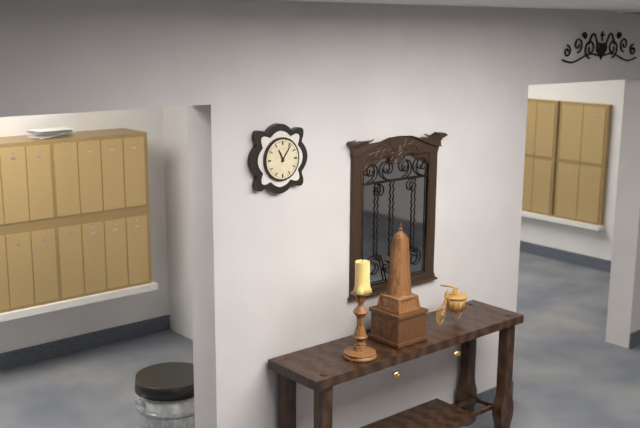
**11:06**
